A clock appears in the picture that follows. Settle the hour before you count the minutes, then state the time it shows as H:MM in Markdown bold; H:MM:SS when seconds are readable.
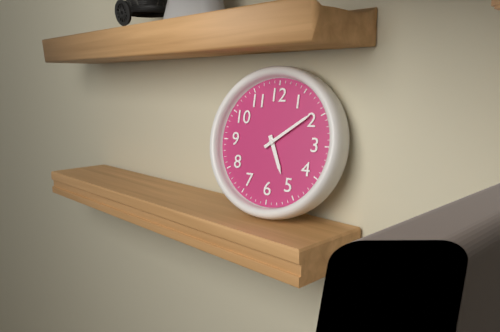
**5:09**
